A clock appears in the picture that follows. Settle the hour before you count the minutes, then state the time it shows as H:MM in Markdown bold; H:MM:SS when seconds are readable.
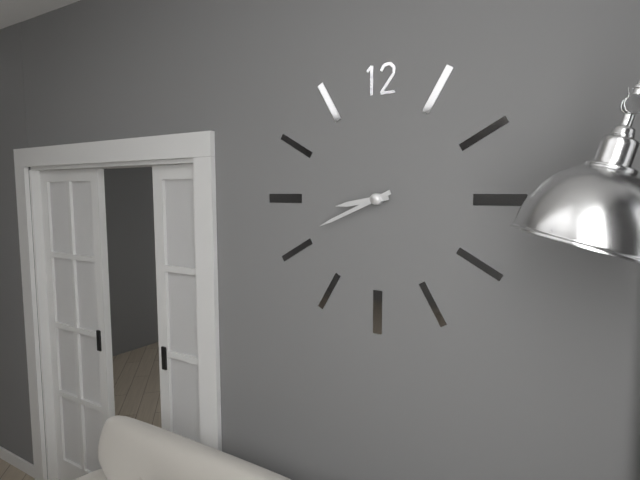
**8:41**
